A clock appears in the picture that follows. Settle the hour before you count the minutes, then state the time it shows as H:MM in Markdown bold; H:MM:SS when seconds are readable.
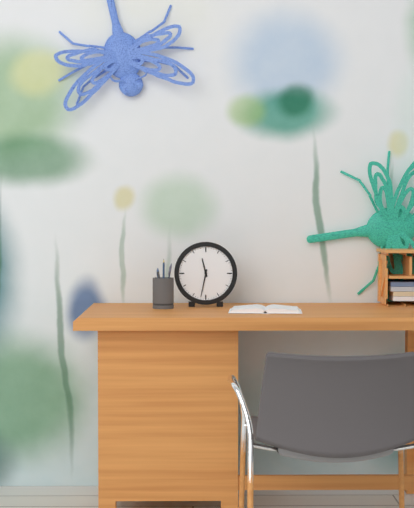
**11:32**
